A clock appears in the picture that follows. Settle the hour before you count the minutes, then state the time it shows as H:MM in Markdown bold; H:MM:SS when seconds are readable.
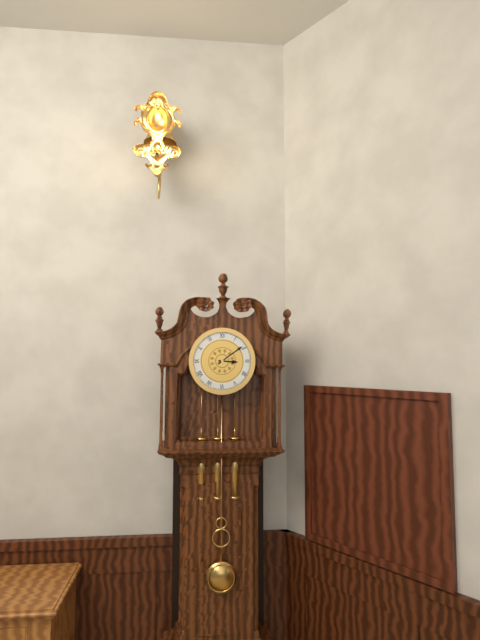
**3:09**
